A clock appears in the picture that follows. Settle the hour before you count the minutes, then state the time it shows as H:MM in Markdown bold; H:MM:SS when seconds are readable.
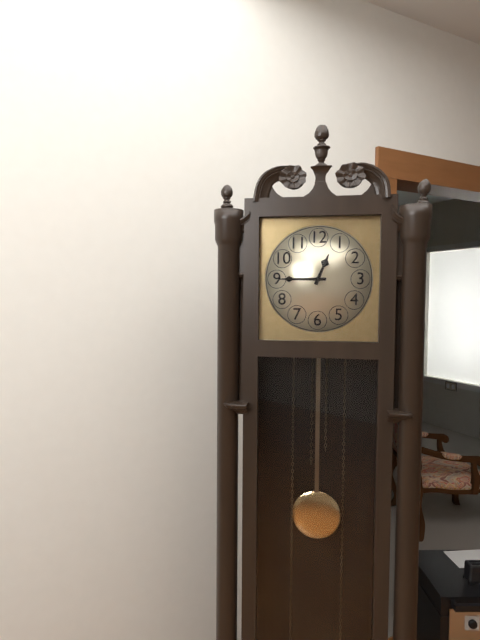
**12:45**
